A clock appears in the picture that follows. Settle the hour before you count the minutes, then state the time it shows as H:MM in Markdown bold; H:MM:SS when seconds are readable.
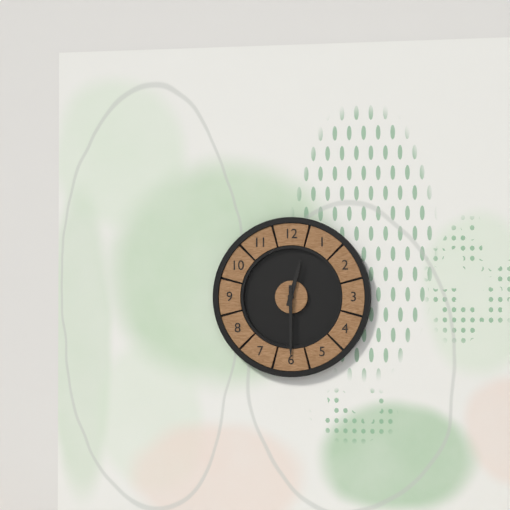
**12:30**
